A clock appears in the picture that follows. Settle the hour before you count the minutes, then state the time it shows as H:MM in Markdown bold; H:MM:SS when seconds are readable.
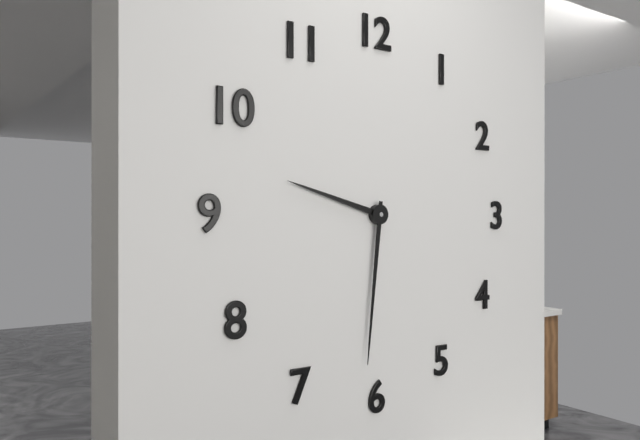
**9:31**
